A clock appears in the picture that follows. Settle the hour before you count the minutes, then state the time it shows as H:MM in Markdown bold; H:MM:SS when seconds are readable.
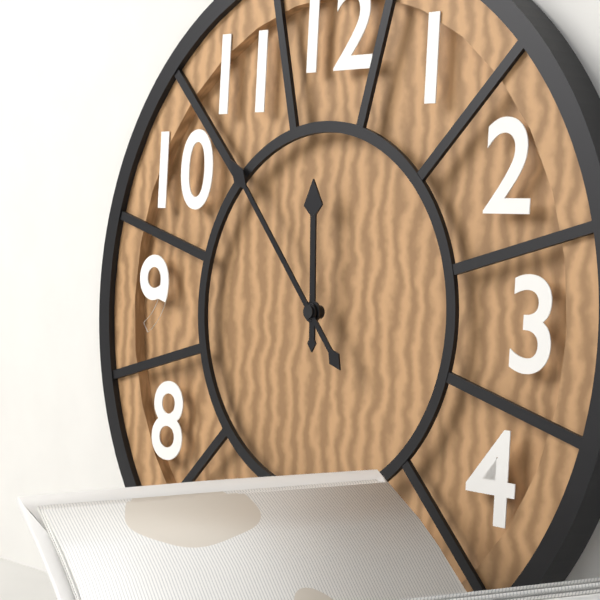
**11:53**
